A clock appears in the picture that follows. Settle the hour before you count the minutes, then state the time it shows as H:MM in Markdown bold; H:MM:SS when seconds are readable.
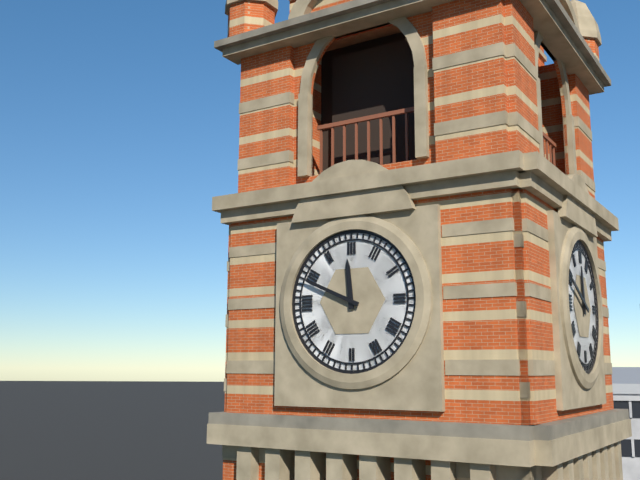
**11:49**
